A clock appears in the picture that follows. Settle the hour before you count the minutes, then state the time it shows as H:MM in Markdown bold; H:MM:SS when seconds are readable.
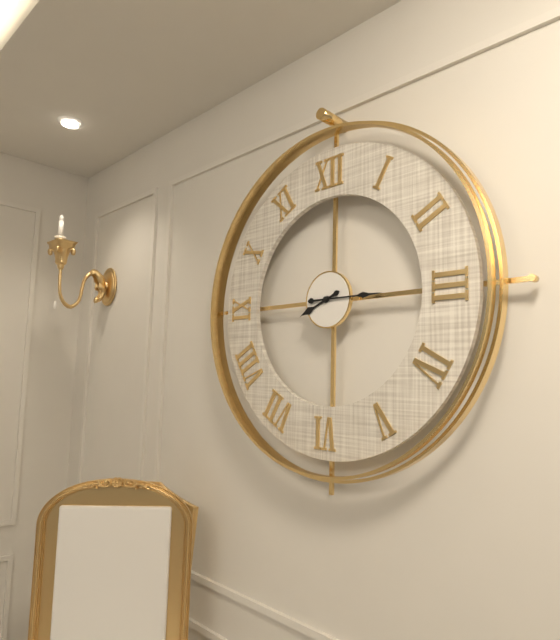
**8:15**
